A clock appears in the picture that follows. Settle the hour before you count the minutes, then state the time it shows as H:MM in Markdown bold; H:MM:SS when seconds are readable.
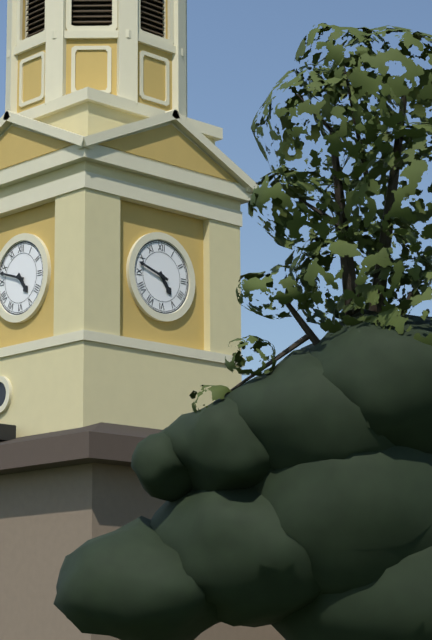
**4:48**
